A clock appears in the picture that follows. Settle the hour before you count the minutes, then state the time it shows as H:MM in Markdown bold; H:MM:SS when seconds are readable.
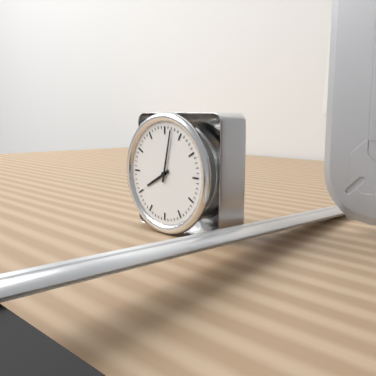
**8:02**
